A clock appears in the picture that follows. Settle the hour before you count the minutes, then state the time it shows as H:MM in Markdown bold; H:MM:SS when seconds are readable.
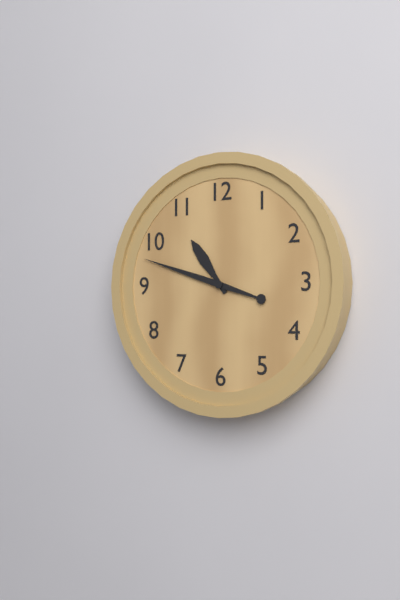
**10:48**
